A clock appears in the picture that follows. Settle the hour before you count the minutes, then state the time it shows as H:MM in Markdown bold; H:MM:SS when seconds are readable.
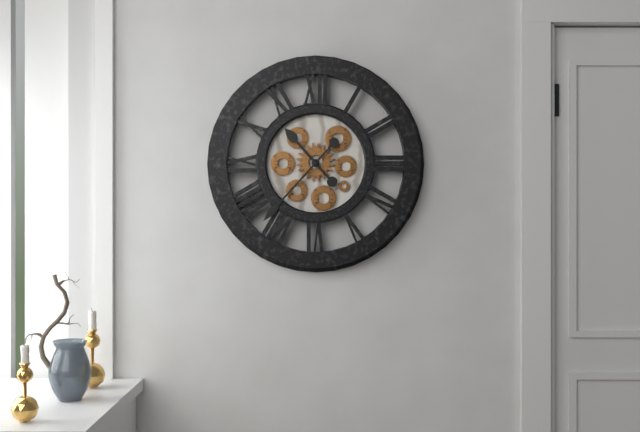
**10:37**
